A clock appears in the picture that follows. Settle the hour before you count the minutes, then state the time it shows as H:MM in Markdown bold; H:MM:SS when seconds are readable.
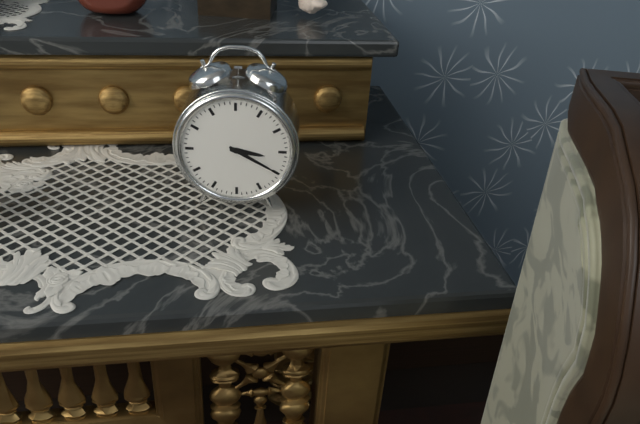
**3:20**
